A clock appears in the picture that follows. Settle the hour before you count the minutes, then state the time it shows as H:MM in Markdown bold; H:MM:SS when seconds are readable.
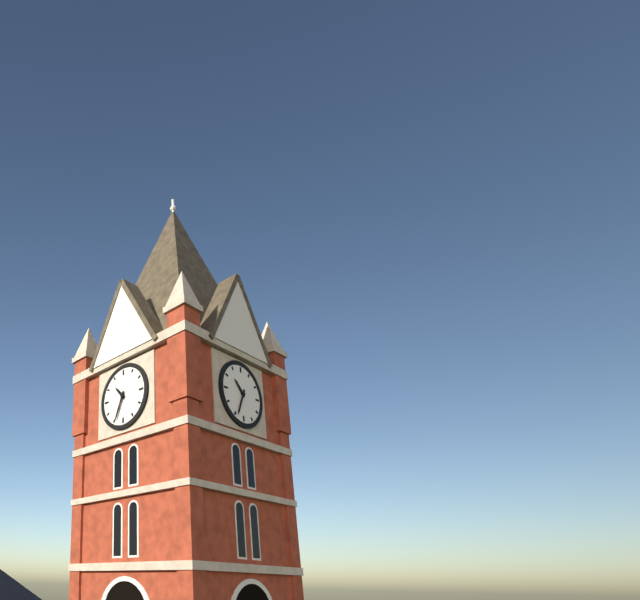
**10:34**
